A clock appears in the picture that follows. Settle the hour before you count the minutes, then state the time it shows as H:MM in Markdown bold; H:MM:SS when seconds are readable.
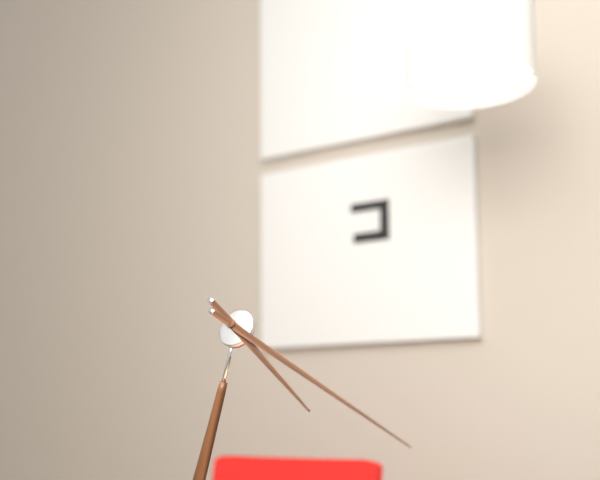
**4:20**
